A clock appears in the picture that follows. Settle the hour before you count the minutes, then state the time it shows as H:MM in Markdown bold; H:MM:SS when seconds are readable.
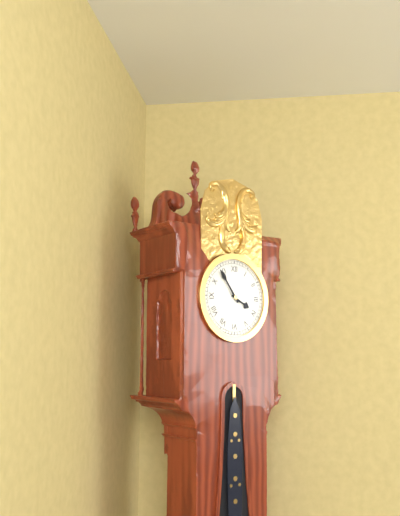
**3:54**
